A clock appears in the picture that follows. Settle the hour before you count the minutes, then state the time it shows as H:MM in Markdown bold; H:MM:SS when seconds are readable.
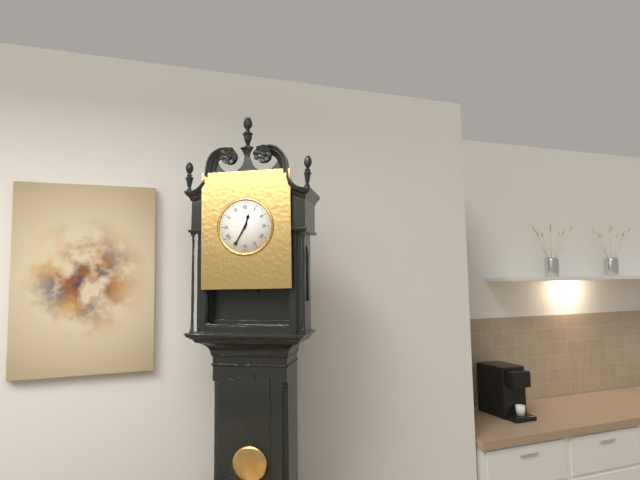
**12:35**
